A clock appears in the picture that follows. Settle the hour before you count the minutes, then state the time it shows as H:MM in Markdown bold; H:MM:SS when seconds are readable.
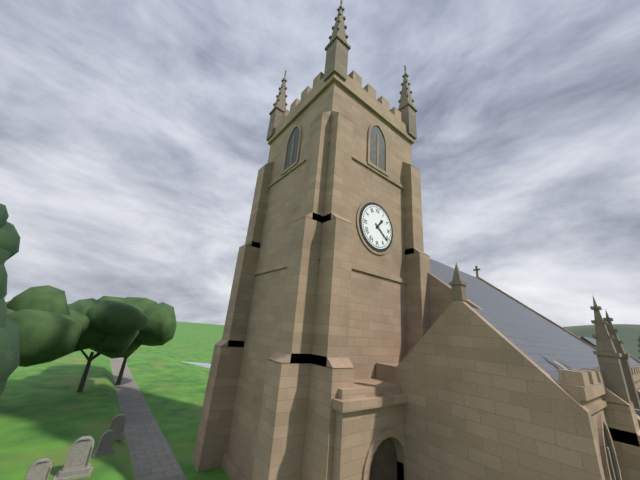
**1:21**
